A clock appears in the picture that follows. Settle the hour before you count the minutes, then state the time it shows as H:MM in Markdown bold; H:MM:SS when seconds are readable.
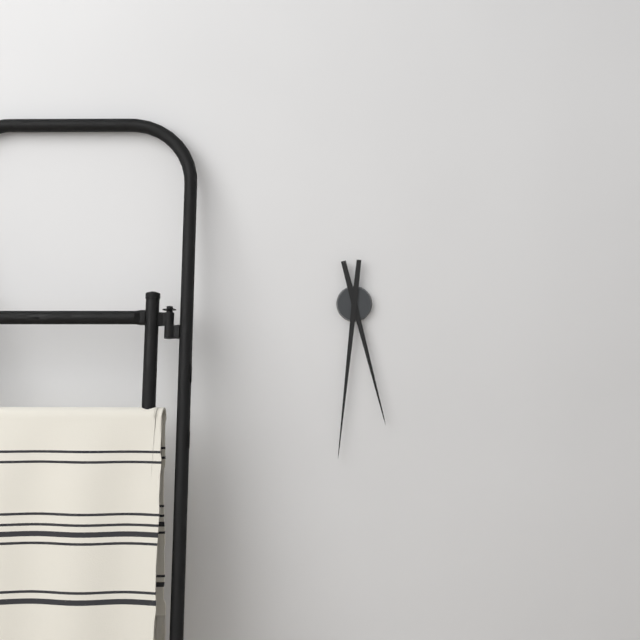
**5:31**
